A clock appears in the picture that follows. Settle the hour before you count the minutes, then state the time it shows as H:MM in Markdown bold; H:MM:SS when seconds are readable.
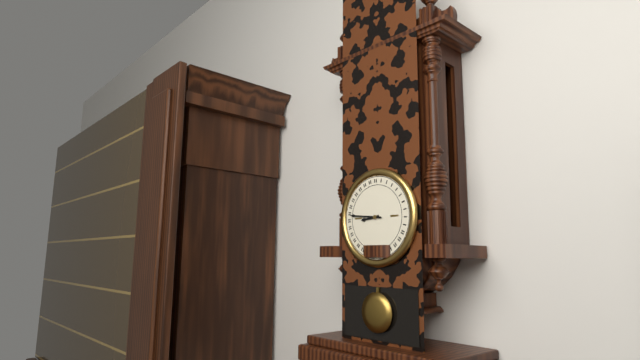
**8:46**
